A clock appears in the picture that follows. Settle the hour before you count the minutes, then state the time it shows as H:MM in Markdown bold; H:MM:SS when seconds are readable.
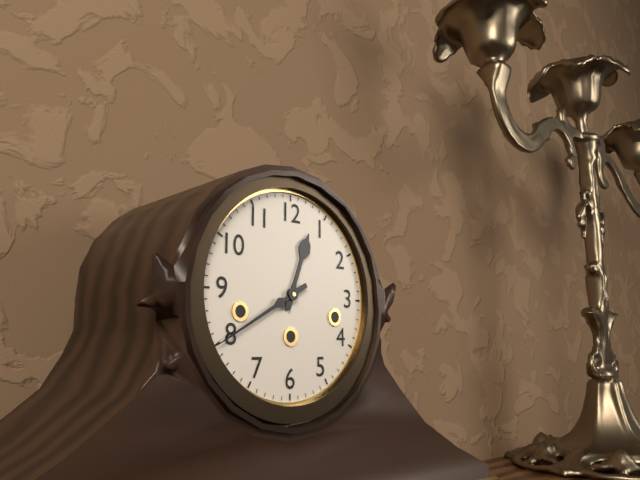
**12:40**
